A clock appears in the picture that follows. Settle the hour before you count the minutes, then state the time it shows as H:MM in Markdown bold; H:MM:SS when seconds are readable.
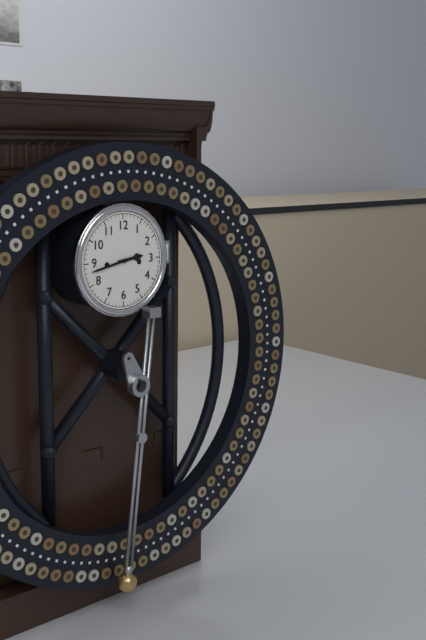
**2:43**
